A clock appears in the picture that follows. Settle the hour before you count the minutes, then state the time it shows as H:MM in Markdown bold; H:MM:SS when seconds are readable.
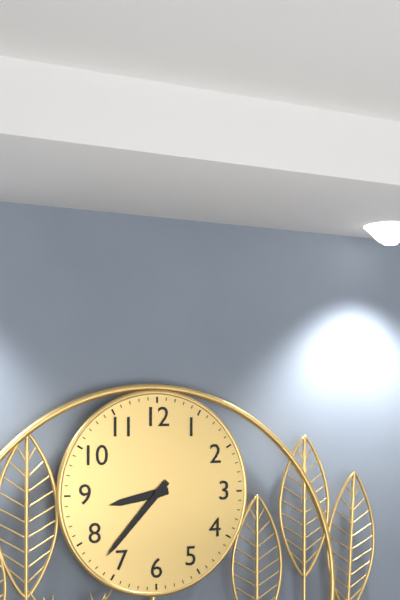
**8:37**
